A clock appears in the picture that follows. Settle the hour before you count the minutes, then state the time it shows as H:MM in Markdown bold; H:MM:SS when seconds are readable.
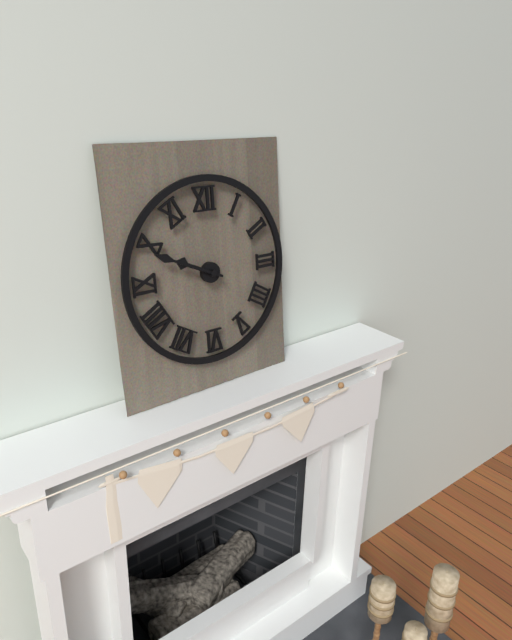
**9:49**
